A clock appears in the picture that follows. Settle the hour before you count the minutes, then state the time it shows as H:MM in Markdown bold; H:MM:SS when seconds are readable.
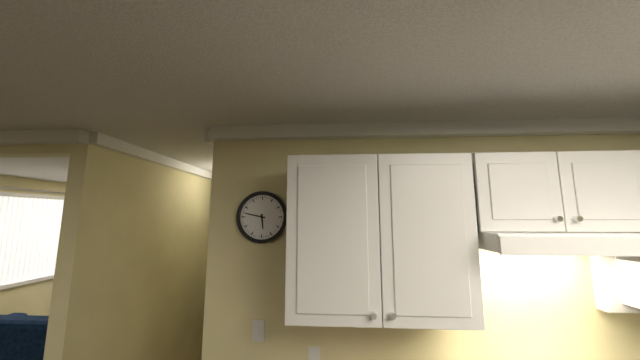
**5:47**
